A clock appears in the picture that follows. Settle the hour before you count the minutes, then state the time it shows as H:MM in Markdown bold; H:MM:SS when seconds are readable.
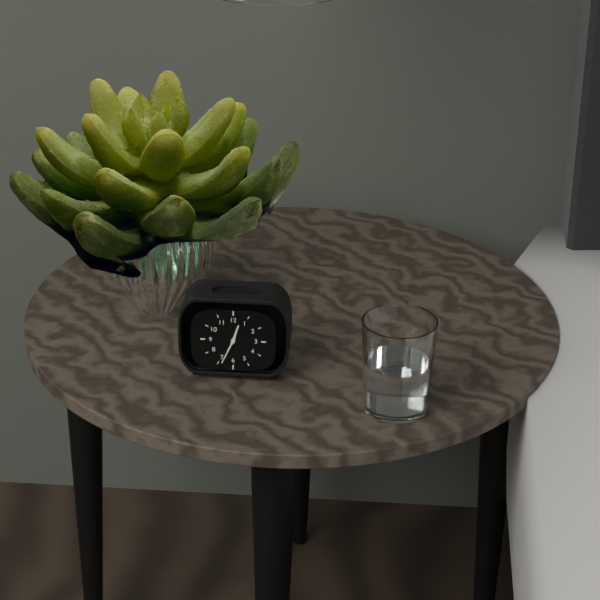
**12:34**
